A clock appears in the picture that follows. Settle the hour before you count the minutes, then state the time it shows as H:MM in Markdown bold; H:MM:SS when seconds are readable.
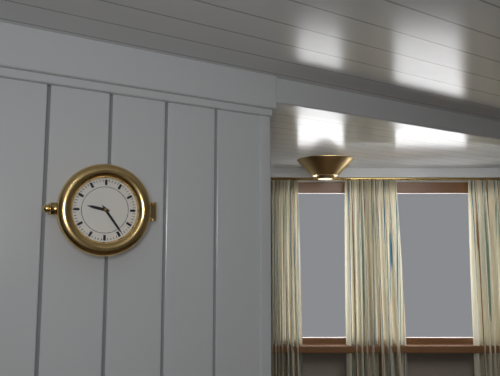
**9:24**
